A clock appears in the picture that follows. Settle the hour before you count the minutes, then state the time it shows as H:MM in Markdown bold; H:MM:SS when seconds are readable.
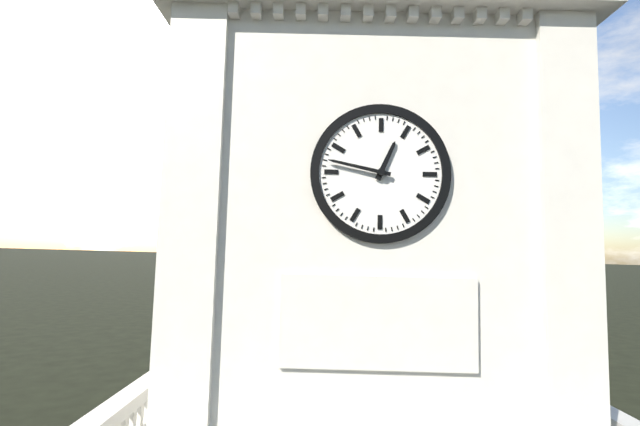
**12:47**
